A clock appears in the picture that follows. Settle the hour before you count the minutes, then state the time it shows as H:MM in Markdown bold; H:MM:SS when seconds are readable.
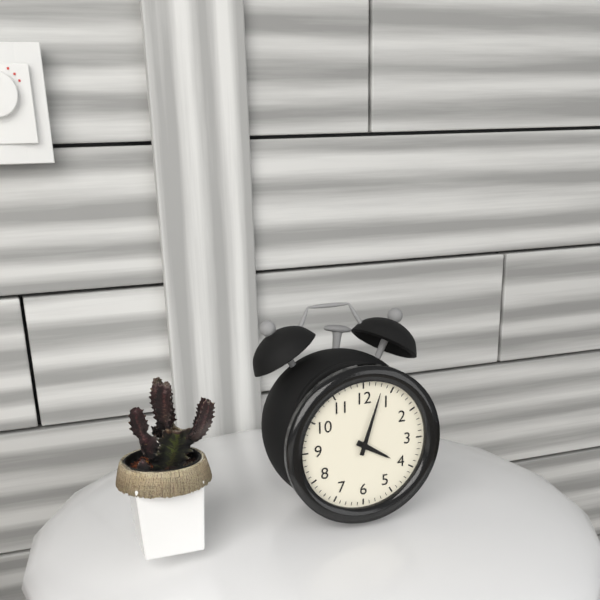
**4:03**
